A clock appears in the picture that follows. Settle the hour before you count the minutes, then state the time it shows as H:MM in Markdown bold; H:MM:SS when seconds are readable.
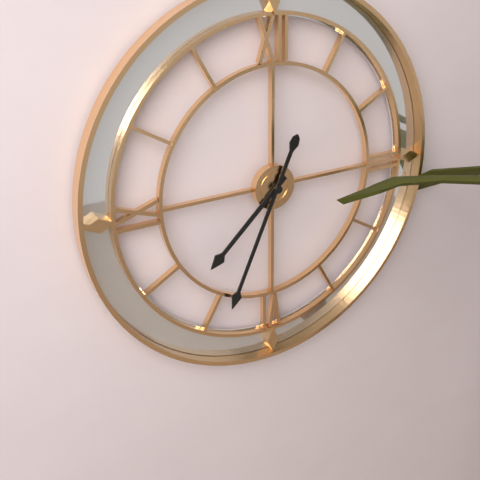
**7:34**
